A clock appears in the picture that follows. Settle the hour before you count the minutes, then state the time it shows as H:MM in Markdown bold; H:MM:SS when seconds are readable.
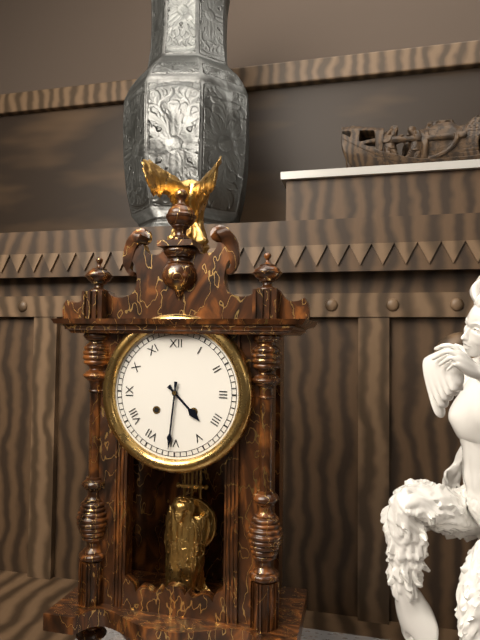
**4:31**
